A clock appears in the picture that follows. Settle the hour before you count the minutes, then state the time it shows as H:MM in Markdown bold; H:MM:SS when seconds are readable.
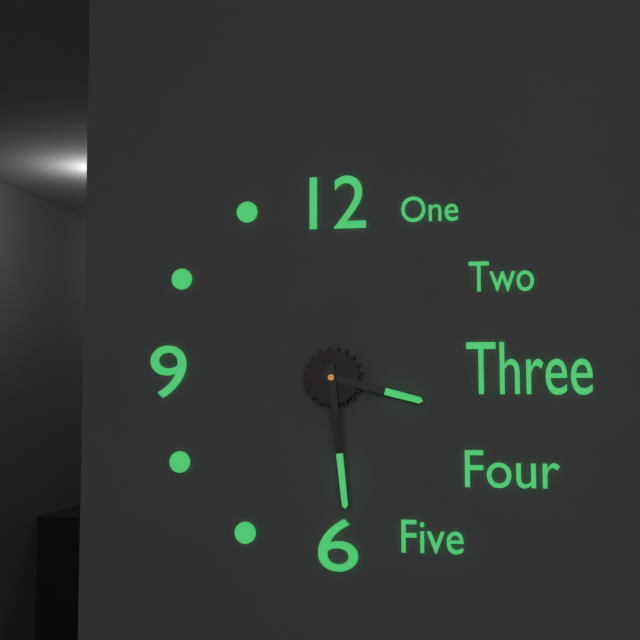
**3:29**
